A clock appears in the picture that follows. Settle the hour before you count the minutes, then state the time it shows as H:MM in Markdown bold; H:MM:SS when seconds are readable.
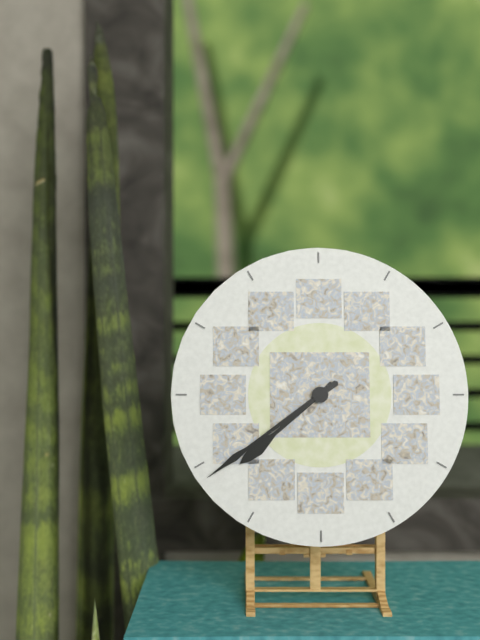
**7:39**
